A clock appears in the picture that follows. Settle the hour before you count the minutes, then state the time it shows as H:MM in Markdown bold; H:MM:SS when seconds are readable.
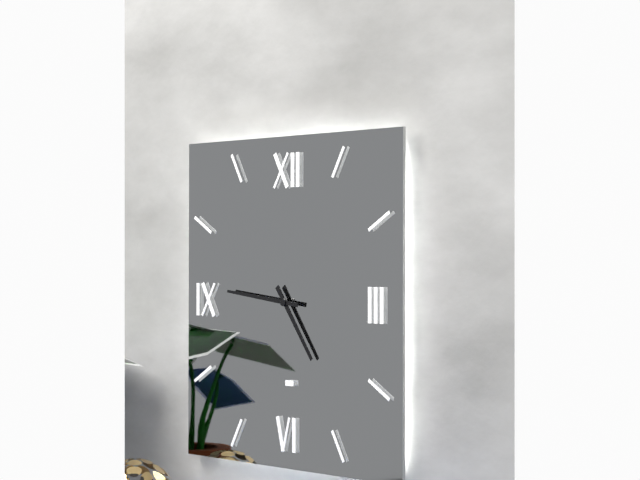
**4:46**
